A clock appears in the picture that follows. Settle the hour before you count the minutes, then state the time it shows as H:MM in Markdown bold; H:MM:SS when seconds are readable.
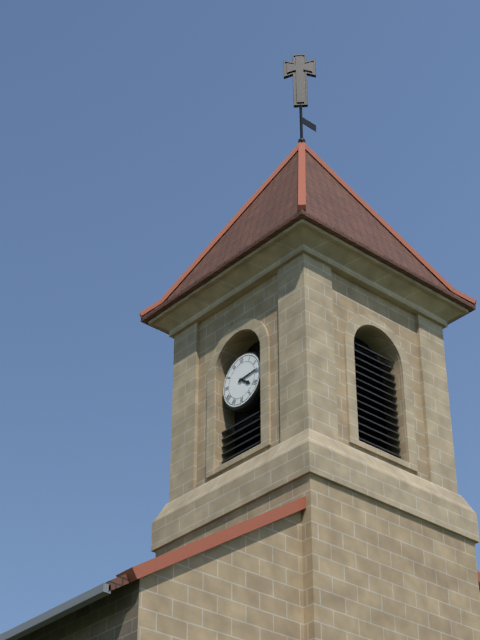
**4:14**
